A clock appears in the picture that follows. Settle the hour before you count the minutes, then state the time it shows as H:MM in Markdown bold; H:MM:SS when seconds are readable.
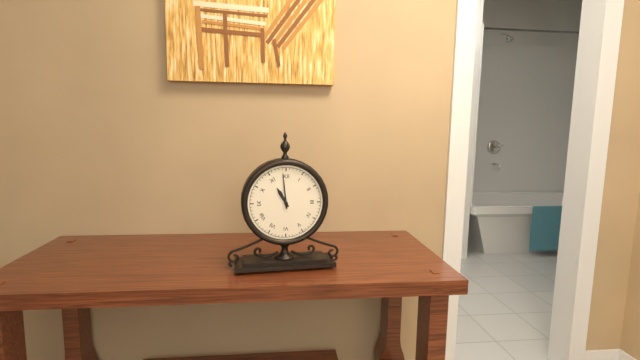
**10:59**
